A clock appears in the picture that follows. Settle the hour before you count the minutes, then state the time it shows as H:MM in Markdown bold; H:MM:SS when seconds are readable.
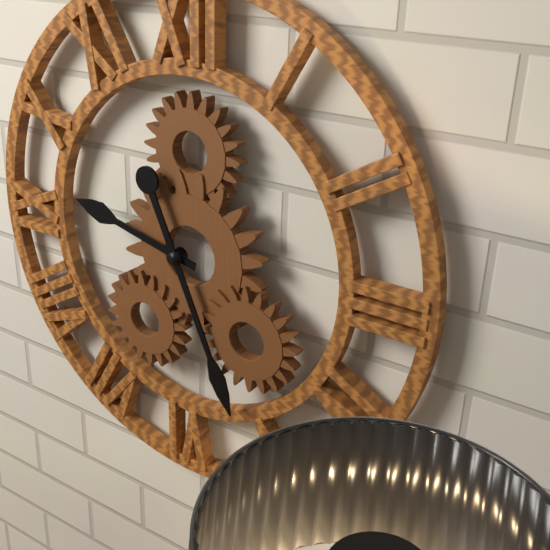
**9:26**
